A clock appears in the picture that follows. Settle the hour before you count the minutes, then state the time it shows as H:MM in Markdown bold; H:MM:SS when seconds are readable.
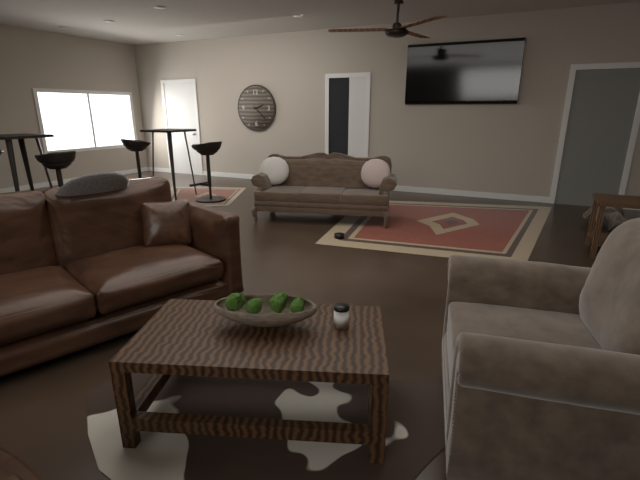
**2:22**
